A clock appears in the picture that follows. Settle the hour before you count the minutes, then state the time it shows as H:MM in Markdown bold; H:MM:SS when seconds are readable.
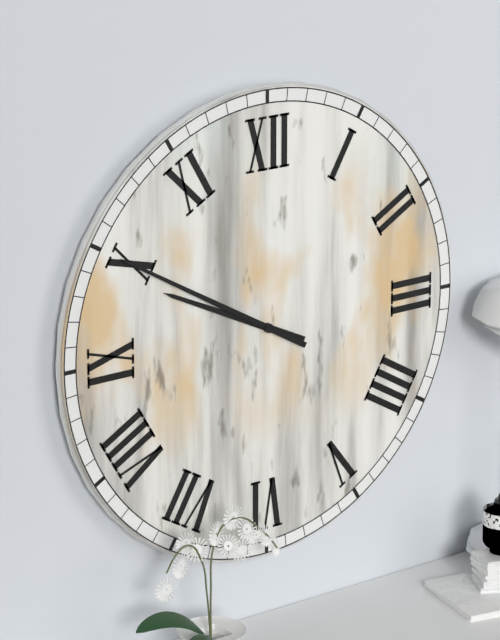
**9:50**
